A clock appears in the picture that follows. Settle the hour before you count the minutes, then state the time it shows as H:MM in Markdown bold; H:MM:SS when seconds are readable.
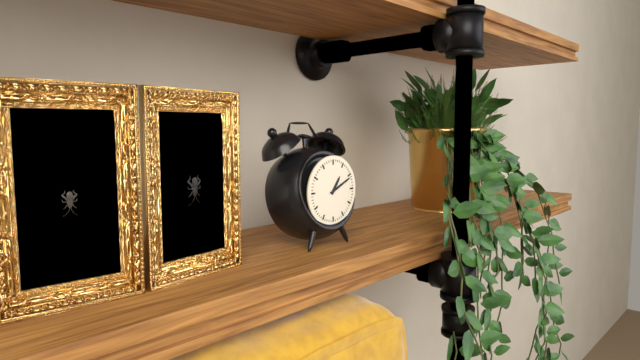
**1:11**
